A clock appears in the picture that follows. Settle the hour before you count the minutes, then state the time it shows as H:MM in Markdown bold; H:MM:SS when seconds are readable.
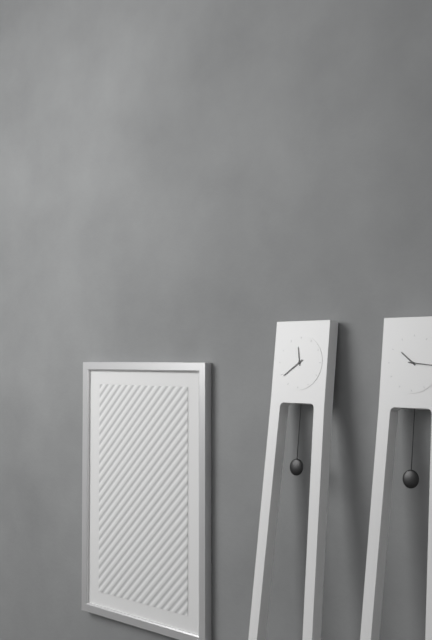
**11:39**
